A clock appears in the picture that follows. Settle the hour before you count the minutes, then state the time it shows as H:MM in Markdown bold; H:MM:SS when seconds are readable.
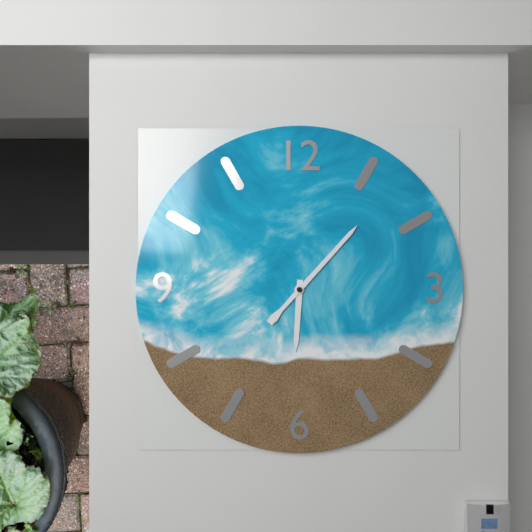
**6:07**
